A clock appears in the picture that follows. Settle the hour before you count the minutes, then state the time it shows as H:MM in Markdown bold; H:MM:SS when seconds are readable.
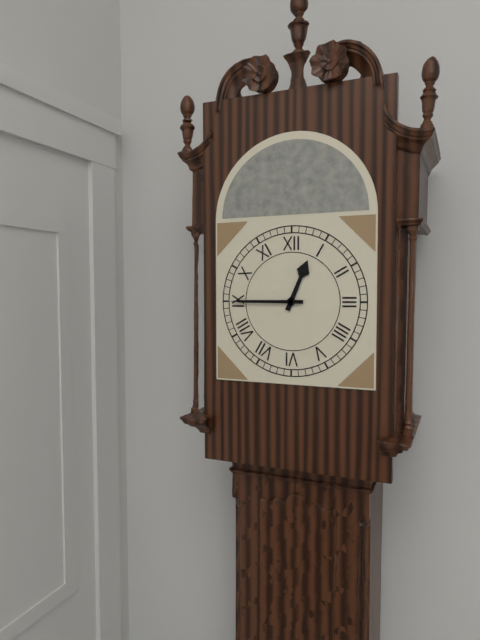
**12:45**
